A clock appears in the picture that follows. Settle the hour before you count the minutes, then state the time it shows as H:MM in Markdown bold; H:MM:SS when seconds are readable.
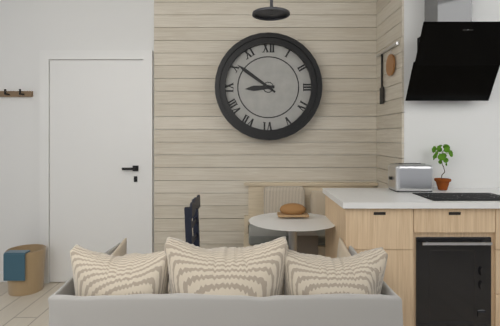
**8:51**
